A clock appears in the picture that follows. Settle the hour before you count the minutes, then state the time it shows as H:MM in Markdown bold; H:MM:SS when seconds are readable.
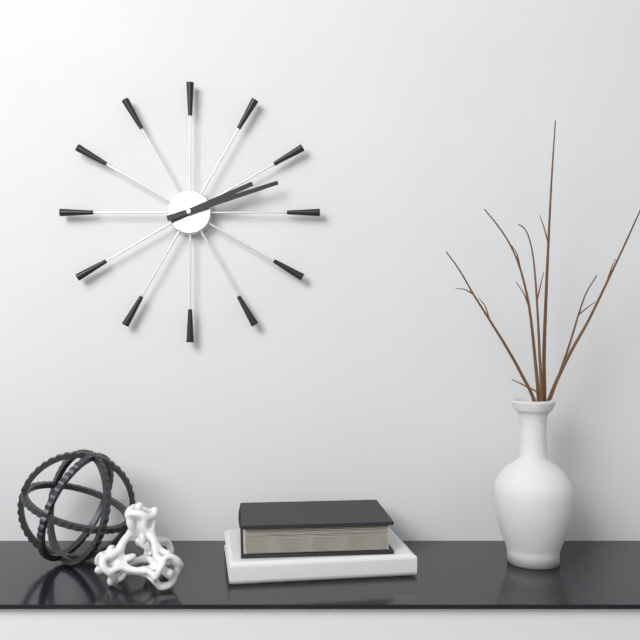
**2:12**
